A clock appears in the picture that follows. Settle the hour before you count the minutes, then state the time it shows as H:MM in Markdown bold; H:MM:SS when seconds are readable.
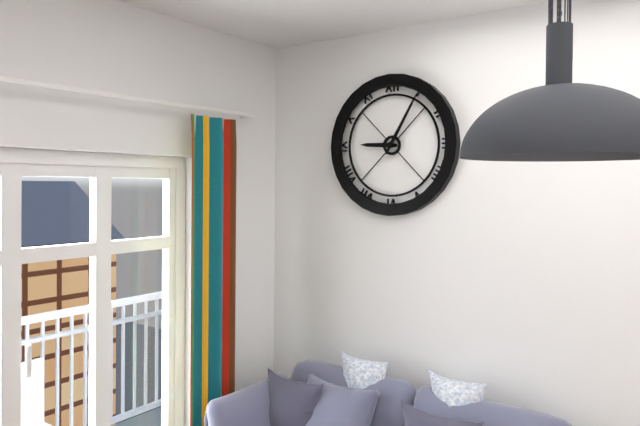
**9:05**
